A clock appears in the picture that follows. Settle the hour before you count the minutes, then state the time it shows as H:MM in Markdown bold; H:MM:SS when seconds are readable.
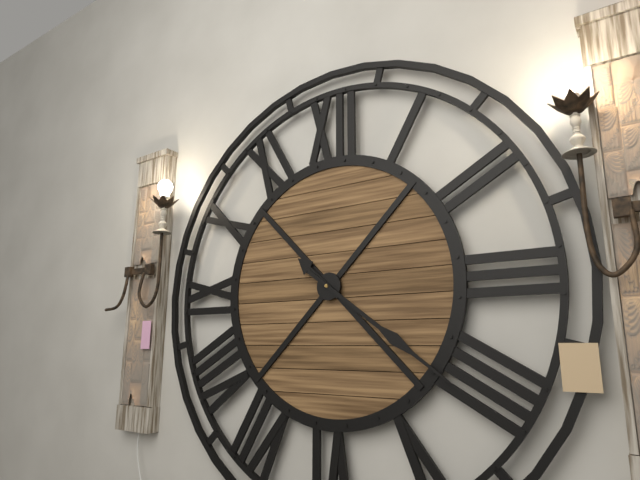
**10:21**
